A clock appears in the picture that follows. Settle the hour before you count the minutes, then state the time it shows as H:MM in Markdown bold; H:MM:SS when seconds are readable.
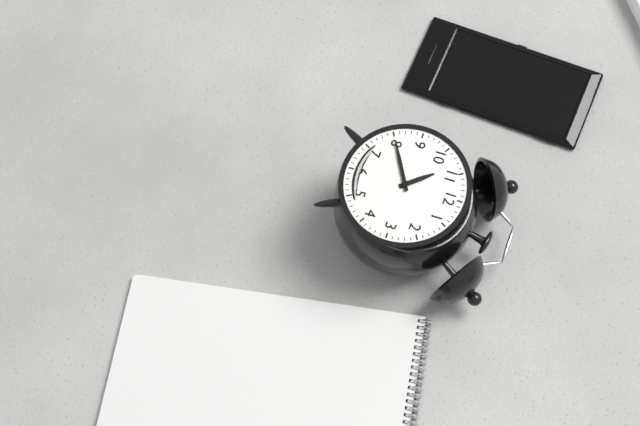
**10:40**
